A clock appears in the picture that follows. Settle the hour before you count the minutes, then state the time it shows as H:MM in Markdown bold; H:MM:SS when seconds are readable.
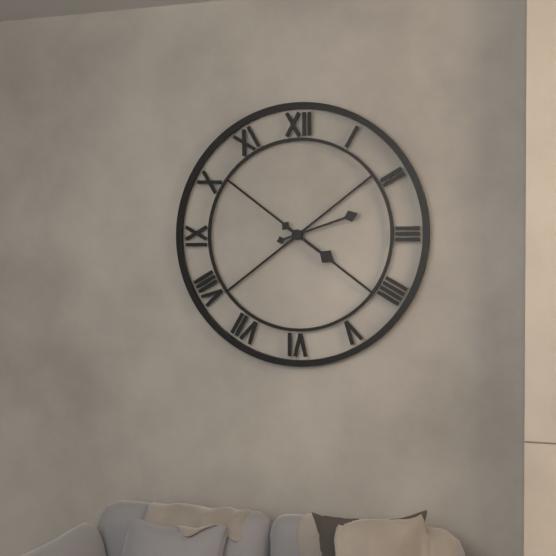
**4:12**
